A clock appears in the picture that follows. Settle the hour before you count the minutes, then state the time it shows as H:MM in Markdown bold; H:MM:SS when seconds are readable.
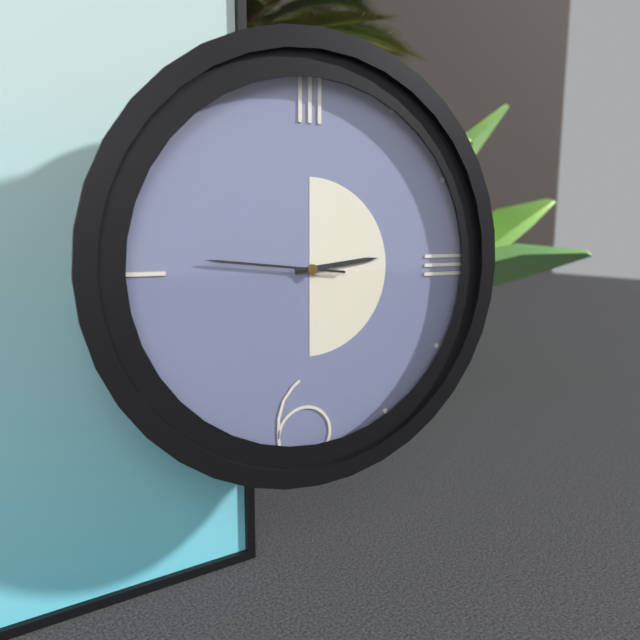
**2:46**
